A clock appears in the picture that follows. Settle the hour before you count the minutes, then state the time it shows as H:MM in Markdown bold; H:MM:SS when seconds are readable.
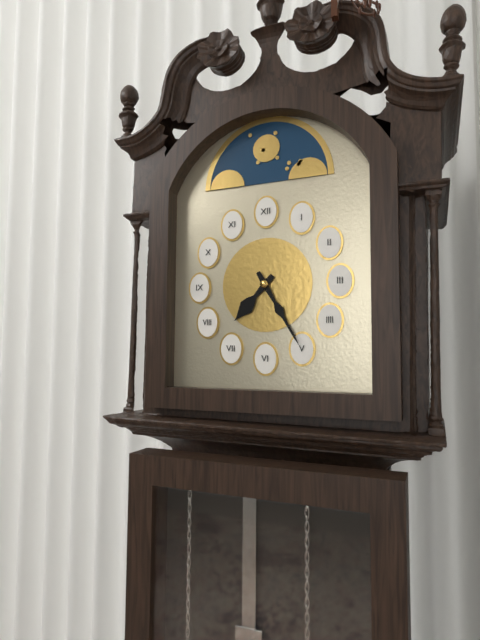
**7:25**
